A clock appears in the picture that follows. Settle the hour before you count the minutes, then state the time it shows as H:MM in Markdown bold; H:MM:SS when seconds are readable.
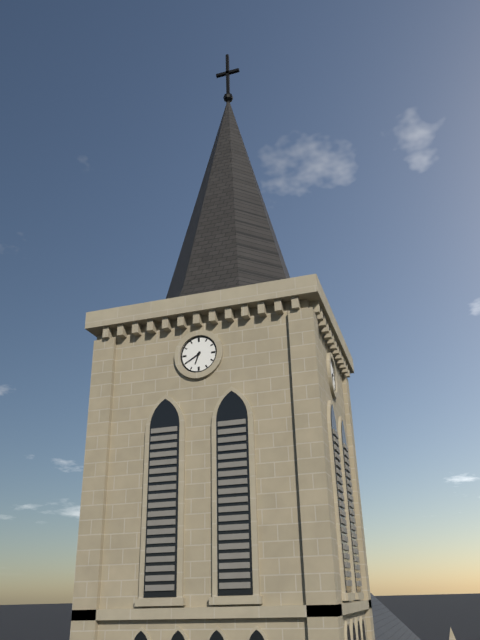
**6:40**
